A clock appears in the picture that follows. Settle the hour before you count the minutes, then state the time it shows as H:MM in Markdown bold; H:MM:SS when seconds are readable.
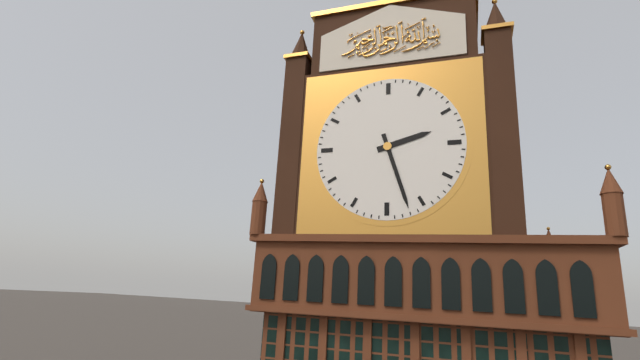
**2:27**
